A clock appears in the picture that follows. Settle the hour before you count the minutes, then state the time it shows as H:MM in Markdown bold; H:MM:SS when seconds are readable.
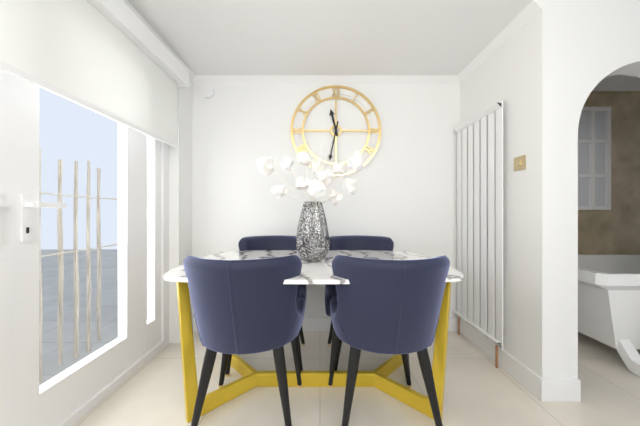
**11:32**
